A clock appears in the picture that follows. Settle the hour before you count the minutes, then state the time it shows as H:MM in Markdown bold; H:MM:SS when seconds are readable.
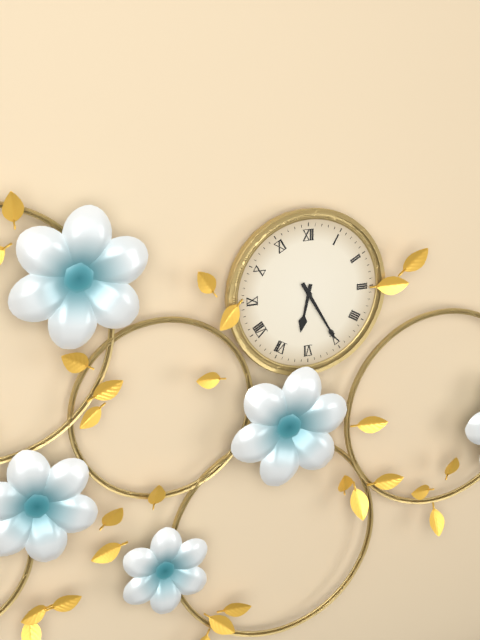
**6:25**
